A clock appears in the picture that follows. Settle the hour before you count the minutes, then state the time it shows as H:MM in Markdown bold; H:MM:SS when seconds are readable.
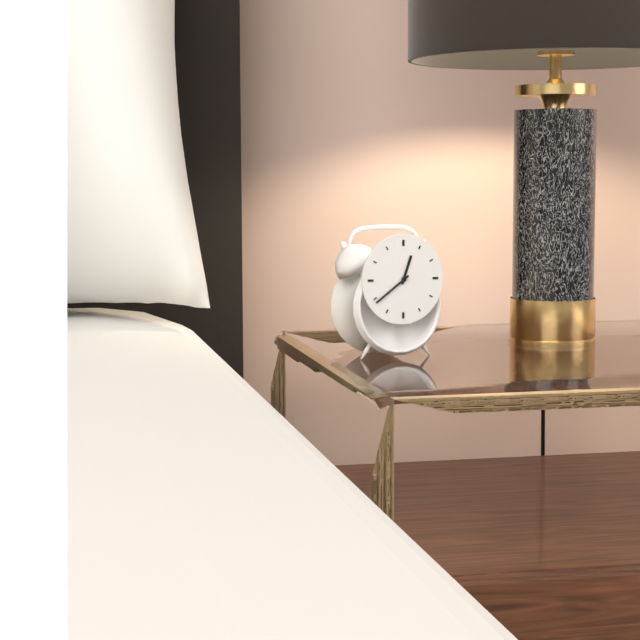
**12:39**
